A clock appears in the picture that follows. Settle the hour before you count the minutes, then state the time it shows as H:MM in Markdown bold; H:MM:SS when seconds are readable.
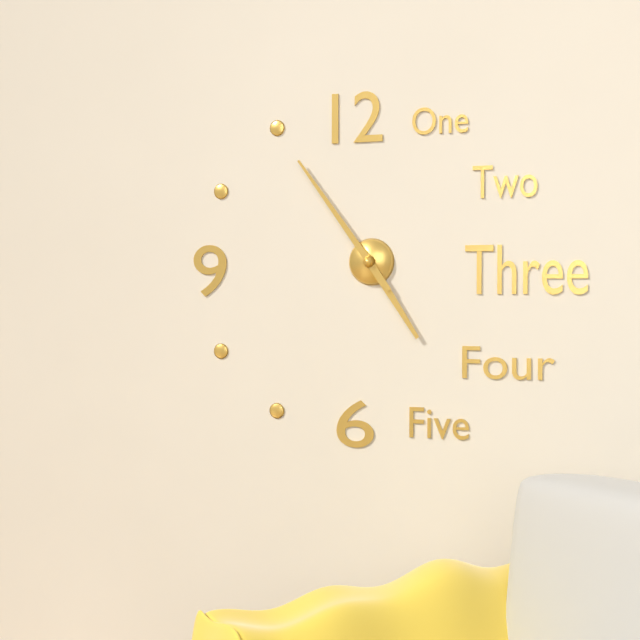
**4:54**
